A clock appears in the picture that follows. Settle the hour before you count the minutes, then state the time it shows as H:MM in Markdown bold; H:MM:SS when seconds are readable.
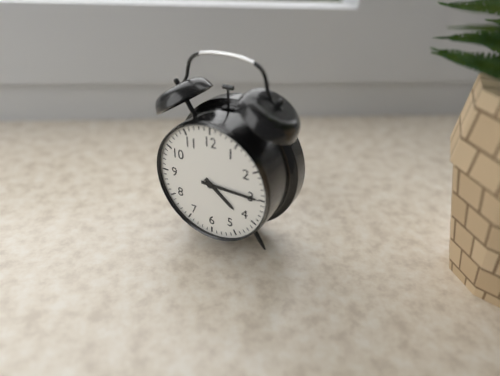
**4:15**
